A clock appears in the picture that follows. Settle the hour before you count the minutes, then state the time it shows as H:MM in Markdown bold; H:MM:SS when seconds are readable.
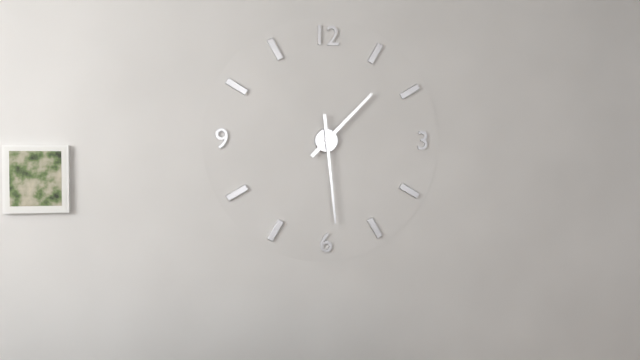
**1:29**
